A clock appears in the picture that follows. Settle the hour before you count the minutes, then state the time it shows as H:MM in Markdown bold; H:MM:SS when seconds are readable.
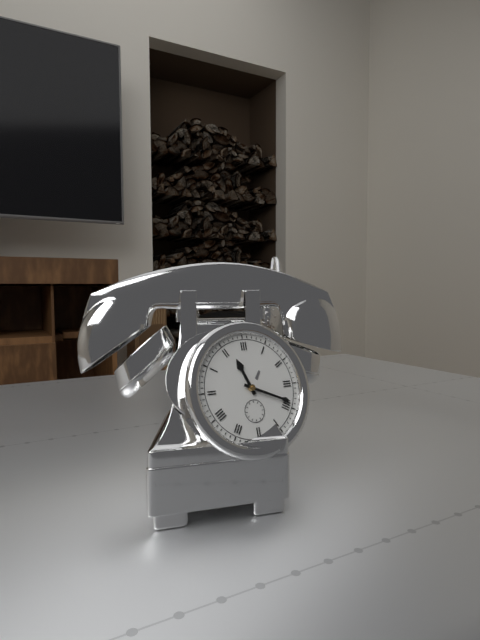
**11:19**
